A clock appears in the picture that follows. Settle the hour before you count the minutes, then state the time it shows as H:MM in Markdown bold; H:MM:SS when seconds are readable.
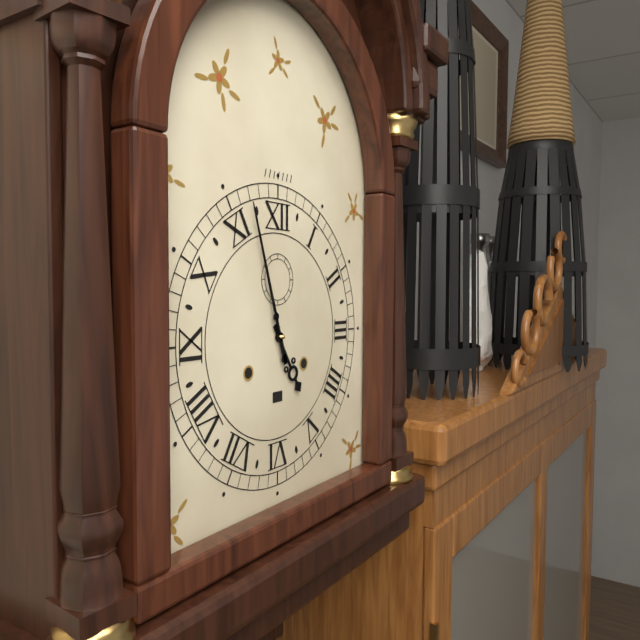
**4:57**
